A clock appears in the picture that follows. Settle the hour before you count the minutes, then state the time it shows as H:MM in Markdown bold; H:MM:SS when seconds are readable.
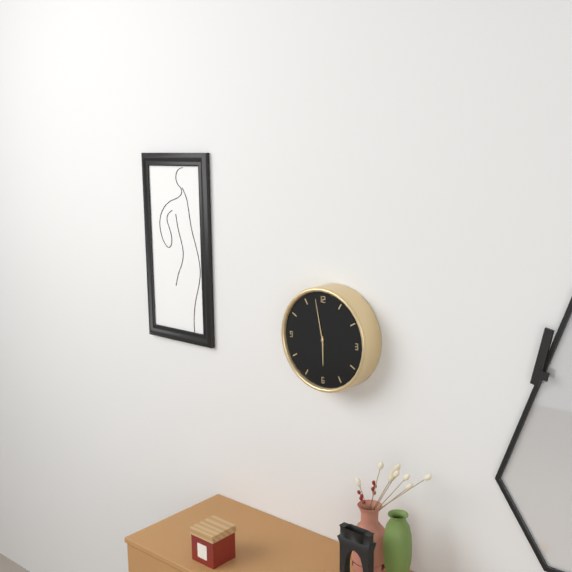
**5:58**
